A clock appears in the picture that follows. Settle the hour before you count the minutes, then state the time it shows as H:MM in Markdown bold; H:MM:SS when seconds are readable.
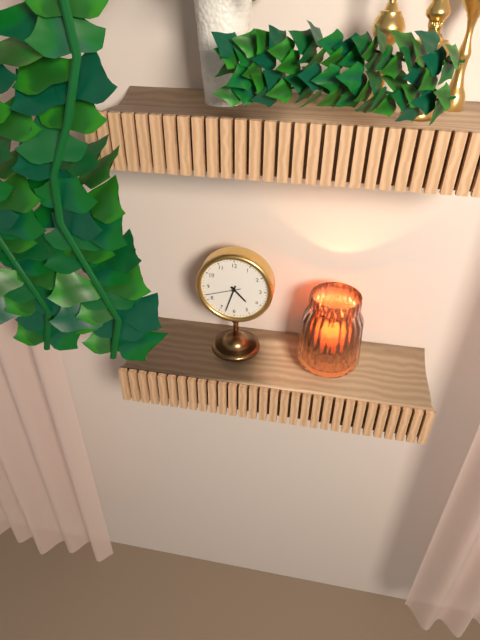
**4:33**
